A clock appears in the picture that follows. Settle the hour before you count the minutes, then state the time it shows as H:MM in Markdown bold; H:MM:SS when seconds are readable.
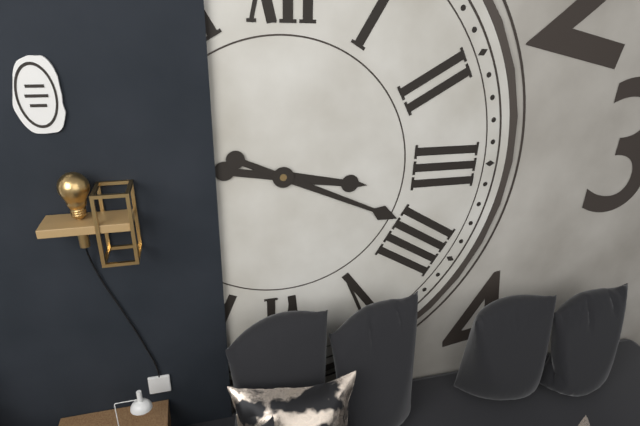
**3:19**
